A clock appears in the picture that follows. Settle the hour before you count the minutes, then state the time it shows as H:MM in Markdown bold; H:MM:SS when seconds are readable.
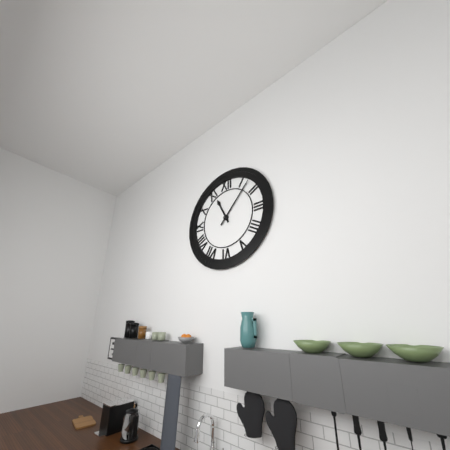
**11:07**
